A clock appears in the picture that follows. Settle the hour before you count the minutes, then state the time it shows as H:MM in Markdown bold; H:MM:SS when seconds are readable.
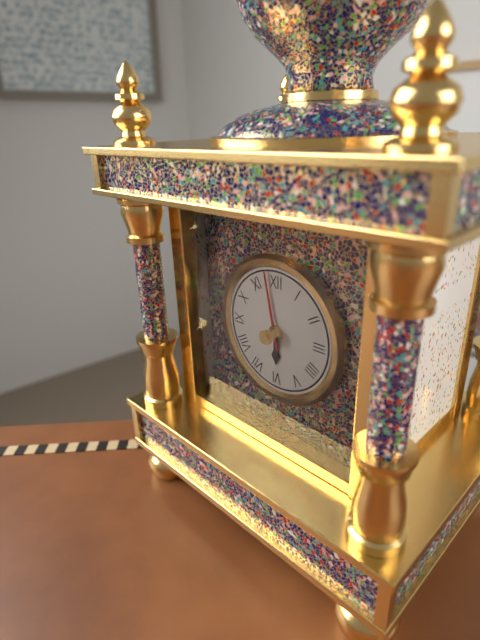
**5:58**
